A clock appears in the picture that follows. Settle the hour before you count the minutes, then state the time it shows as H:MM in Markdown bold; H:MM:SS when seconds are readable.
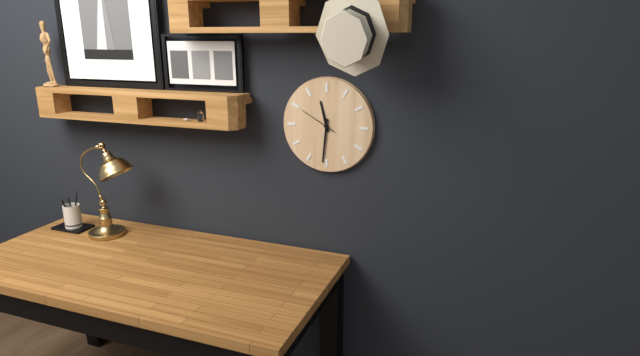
**11:31**
